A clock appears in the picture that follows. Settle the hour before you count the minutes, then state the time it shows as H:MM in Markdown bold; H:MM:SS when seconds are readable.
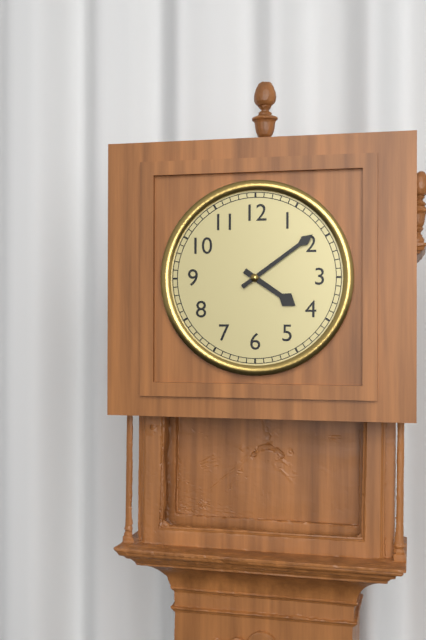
**4:09**
